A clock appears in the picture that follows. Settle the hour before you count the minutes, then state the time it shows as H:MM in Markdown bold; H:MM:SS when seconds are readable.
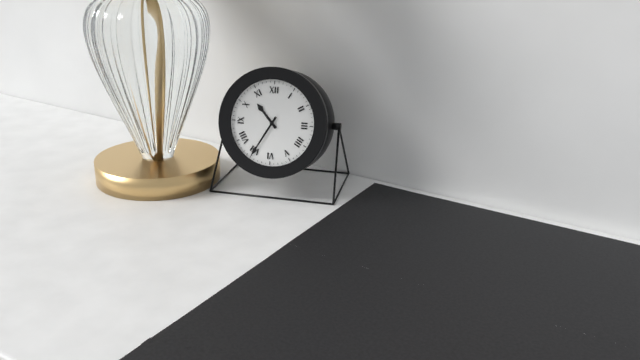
**10:35**
